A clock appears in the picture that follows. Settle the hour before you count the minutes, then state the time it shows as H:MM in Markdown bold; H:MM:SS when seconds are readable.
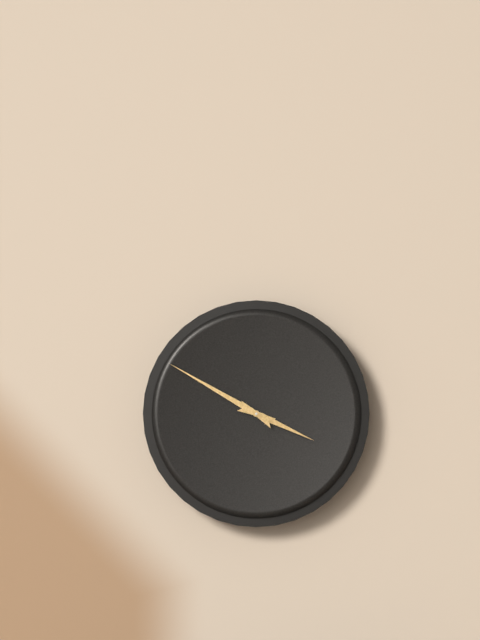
**3:50**
